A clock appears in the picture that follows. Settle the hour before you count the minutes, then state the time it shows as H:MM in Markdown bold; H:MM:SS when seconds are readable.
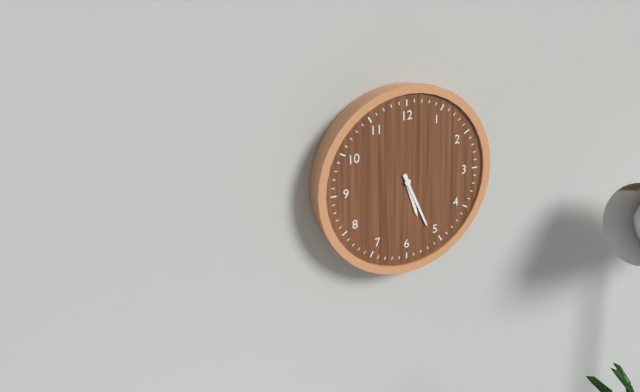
**5:26**
